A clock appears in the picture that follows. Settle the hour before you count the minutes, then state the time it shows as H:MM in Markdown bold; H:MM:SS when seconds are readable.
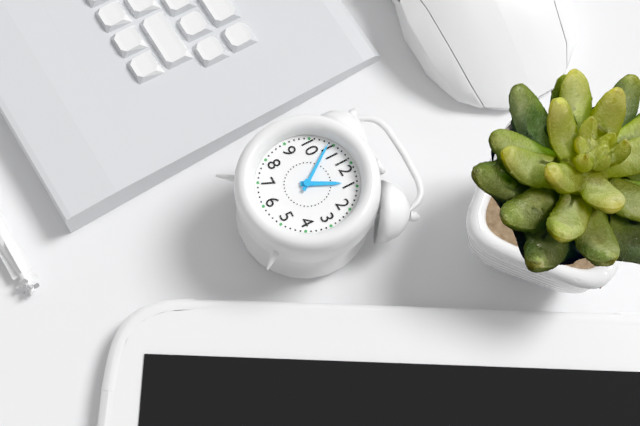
**12:54**
